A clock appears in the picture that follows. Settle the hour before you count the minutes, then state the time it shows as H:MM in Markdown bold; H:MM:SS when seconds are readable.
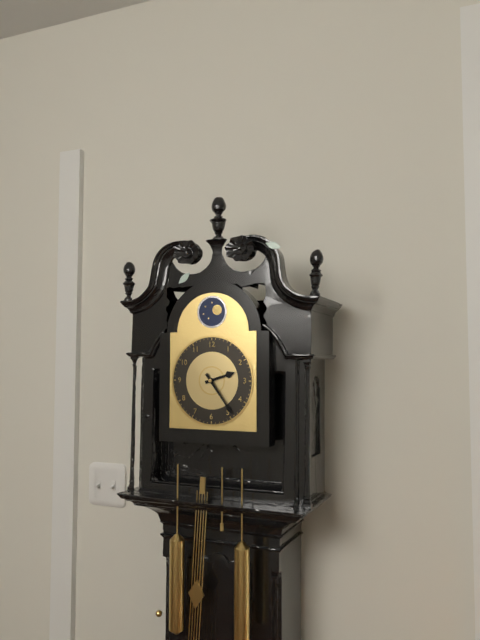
**2:24**
